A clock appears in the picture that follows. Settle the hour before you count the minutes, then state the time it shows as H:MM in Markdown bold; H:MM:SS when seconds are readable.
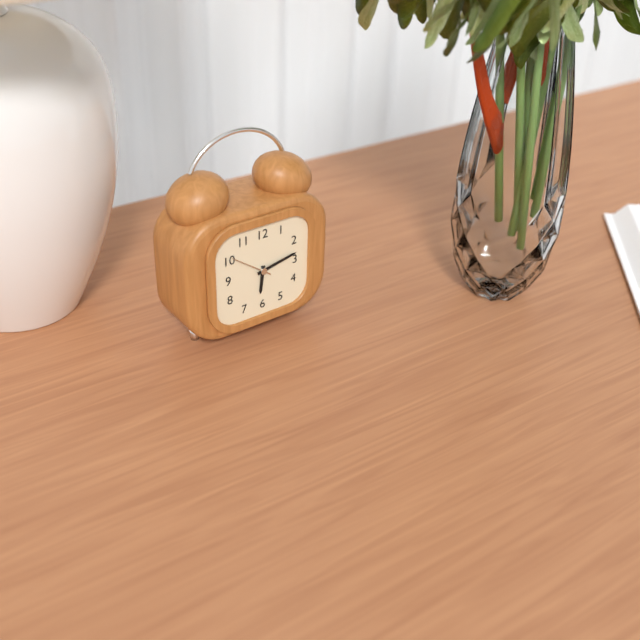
**6:13**
